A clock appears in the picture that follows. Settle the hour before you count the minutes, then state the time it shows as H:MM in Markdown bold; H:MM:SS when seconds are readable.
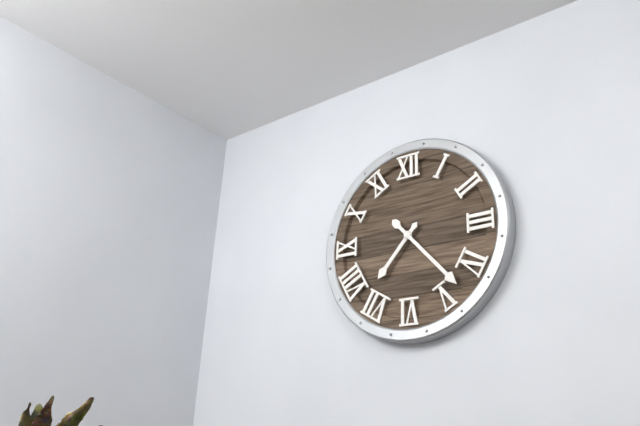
**7:23**
